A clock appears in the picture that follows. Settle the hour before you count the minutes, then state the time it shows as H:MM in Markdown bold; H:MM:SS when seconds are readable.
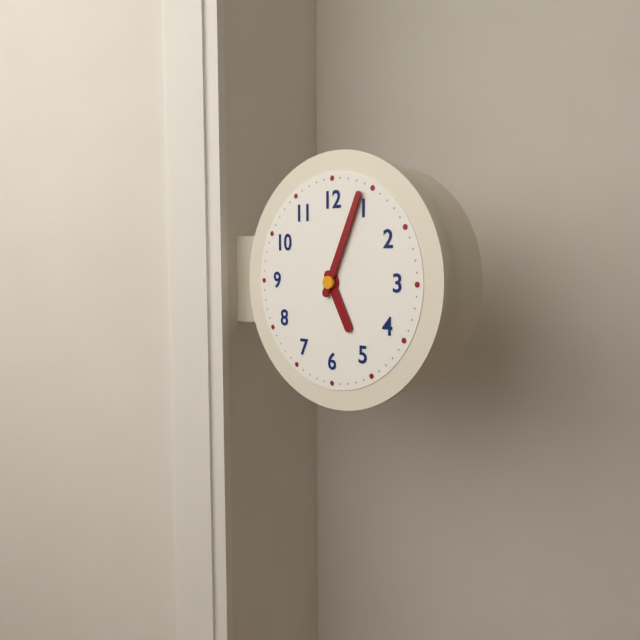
**5:04**
